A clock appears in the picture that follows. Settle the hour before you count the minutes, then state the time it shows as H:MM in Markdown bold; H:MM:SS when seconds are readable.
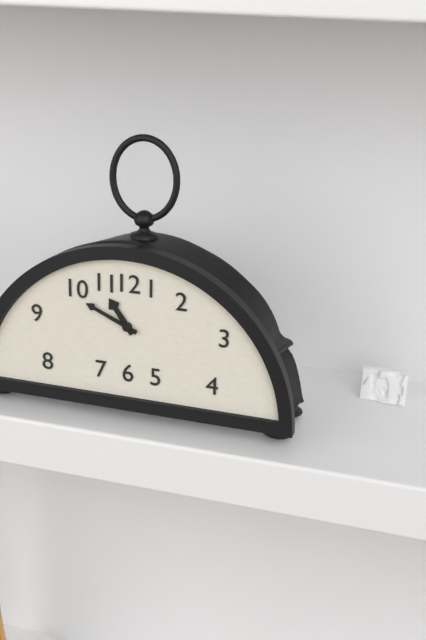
**10:49**
